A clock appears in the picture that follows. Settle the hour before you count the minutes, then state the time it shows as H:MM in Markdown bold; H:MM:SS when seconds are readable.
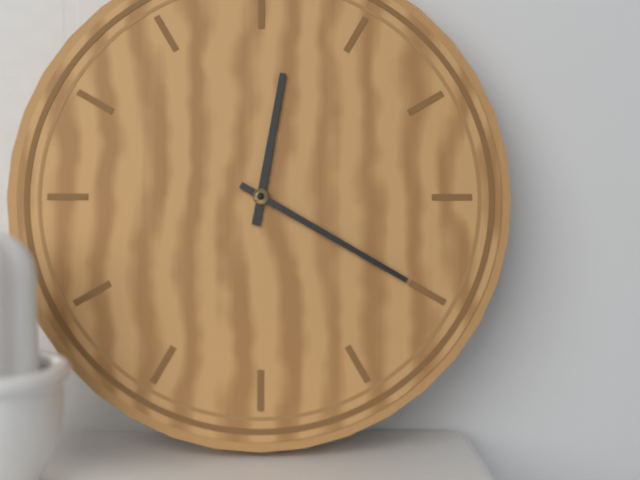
**12:20**
